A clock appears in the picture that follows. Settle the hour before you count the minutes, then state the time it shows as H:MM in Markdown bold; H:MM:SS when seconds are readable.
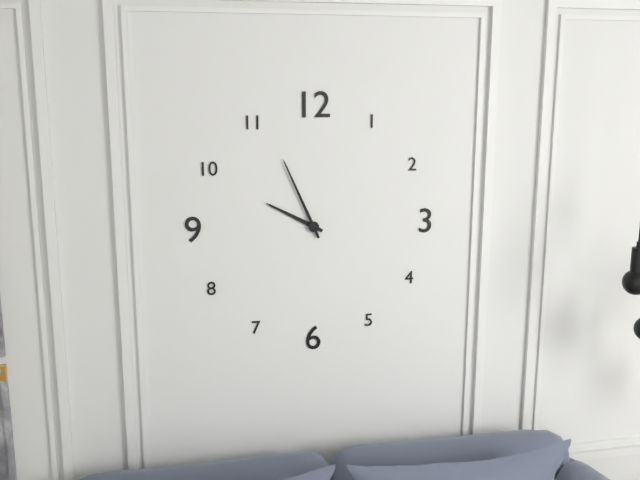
**9:56**
